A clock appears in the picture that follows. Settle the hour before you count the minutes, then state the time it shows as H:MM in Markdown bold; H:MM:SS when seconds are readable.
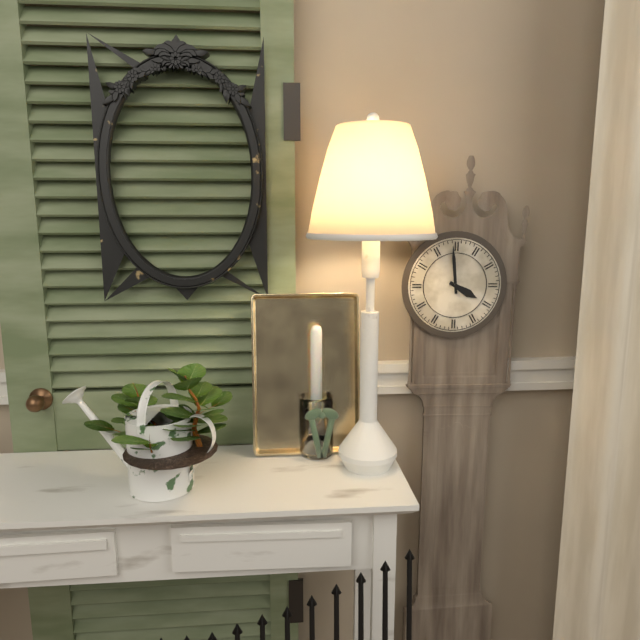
**3:59**
